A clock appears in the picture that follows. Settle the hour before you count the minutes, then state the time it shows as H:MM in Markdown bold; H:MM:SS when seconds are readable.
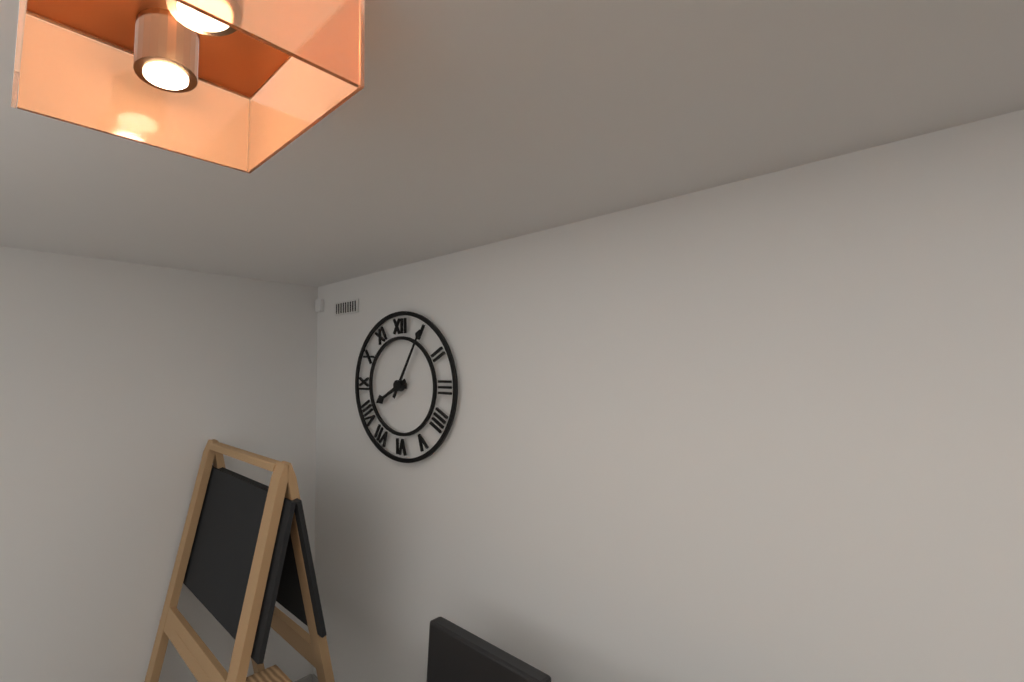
**8:05**
